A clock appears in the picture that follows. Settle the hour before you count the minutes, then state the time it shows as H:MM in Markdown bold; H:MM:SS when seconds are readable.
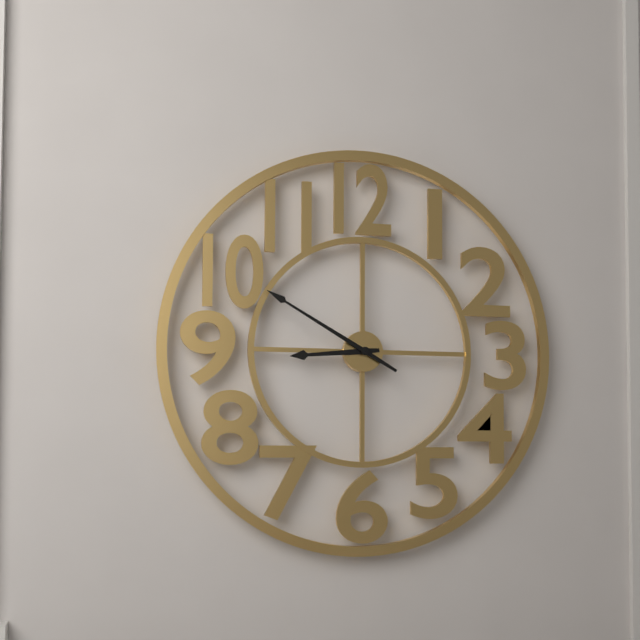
**8:50**
